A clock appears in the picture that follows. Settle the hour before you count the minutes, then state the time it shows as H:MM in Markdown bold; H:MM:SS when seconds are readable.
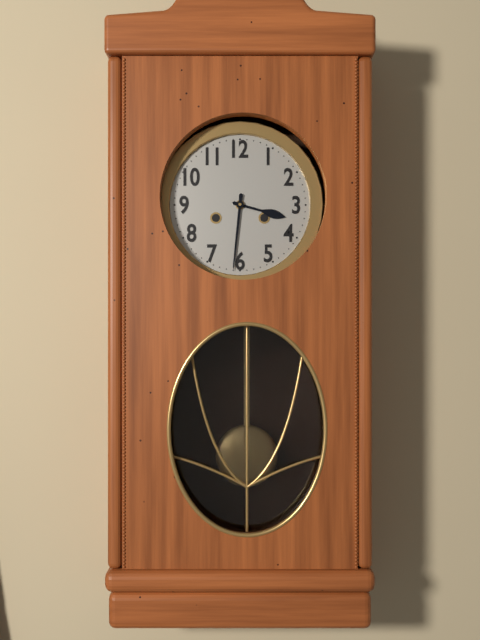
**3:31**
